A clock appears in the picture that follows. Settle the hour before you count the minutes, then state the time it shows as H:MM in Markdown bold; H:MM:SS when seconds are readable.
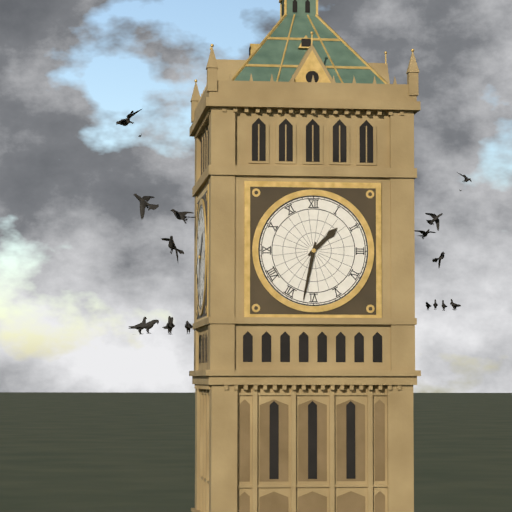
**1:32**
